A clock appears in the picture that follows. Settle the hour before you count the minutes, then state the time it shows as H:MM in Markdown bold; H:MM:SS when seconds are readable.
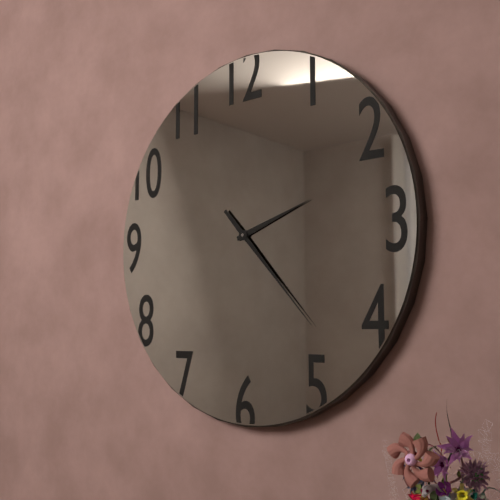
**2:23**
